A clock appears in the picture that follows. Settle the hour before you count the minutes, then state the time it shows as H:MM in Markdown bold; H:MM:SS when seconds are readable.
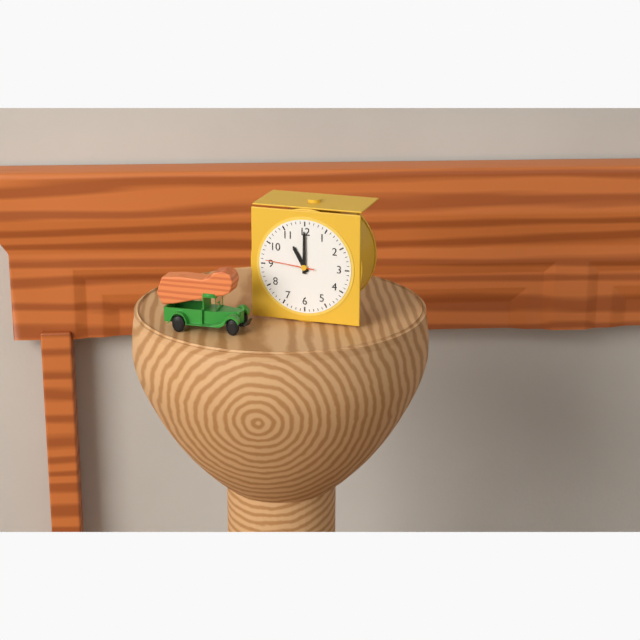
**11:00**
